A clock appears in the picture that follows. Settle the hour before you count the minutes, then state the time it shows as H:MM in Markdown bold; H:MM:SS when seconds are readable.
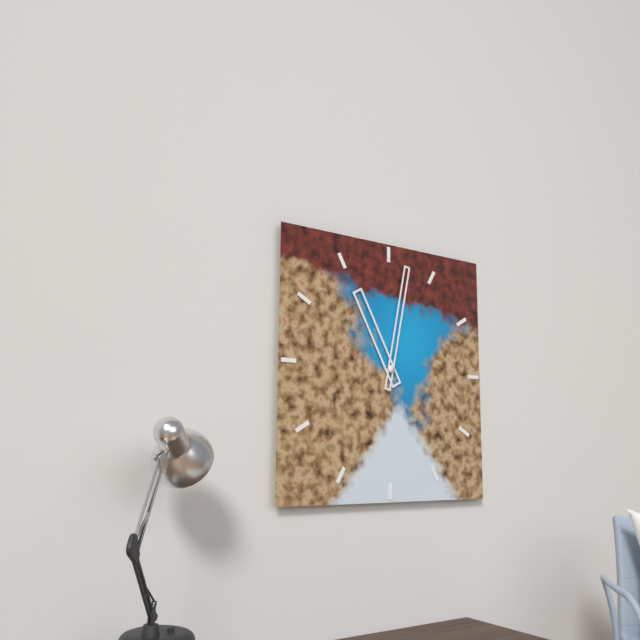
**11:02**
